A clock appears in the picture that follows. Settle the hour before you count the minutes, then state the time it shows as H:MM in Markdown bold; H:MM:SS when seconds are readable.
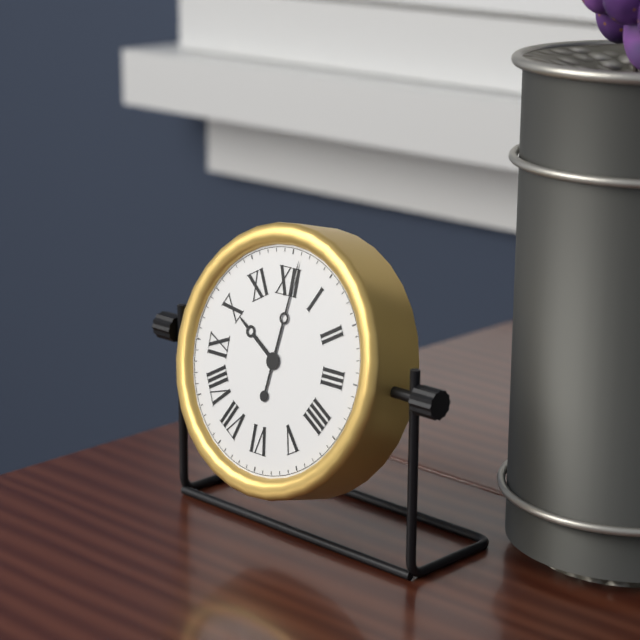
**10:01**
